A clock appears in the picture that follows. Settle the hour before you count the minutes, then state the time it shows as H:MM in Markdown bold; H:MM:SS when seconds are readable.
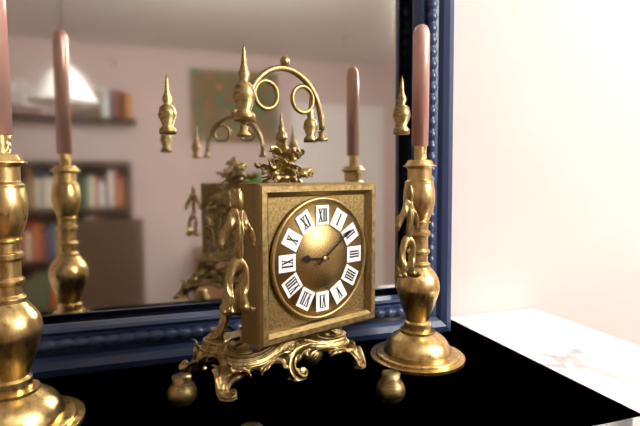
**9:09**
